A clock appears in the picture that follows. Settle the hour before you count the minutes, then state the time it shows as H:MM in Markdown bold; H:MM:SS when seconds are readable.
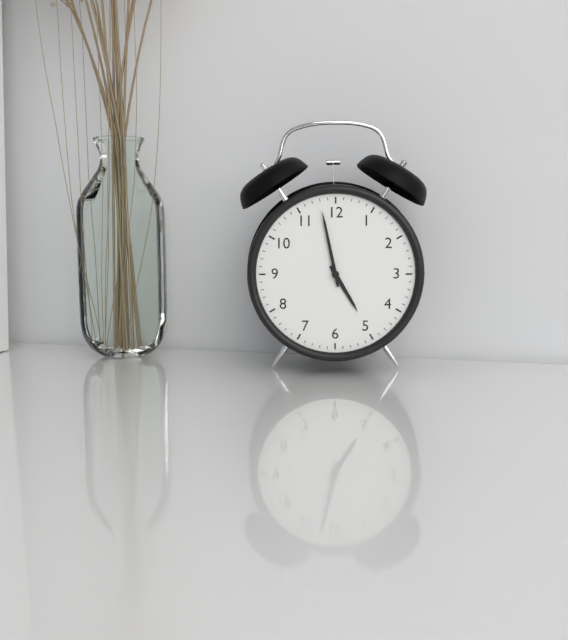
**4:58**
